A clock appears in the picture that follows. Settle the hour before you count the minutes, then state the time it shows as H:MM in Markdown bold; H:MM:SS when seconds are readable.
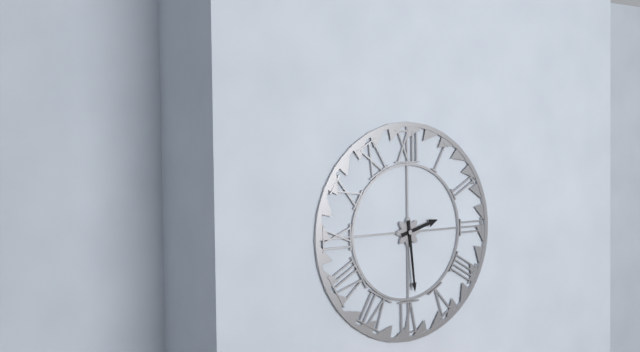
**2:29**
